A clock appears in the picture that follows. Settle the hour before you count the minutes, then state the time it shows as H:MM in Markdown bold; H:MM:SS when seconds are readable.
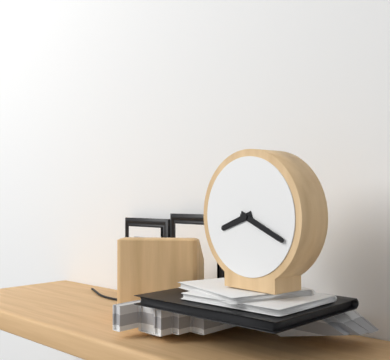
**8:19**
